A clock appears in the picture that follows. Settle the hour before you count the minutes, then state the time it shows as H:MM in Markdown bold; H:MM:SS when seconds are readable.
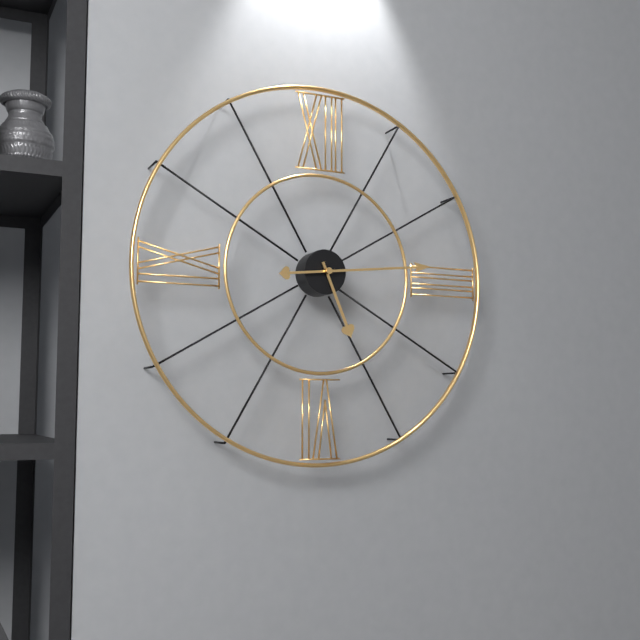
**5:14**
